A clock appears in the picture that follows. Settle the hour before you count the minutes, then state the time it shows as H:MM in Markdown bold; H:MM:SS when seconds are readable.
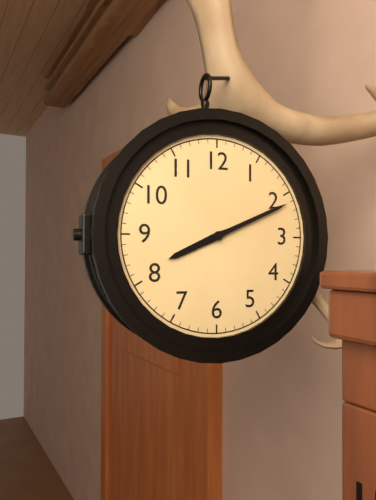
**8:11**
